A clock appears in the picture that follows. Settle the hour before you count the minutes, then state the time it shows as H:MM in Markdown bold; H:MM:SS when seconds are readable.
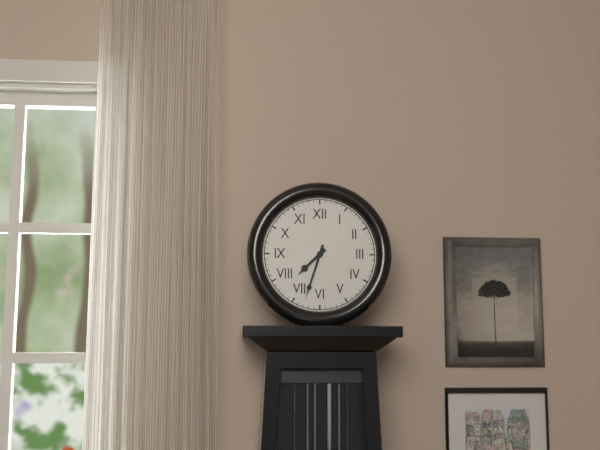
**7:33**
